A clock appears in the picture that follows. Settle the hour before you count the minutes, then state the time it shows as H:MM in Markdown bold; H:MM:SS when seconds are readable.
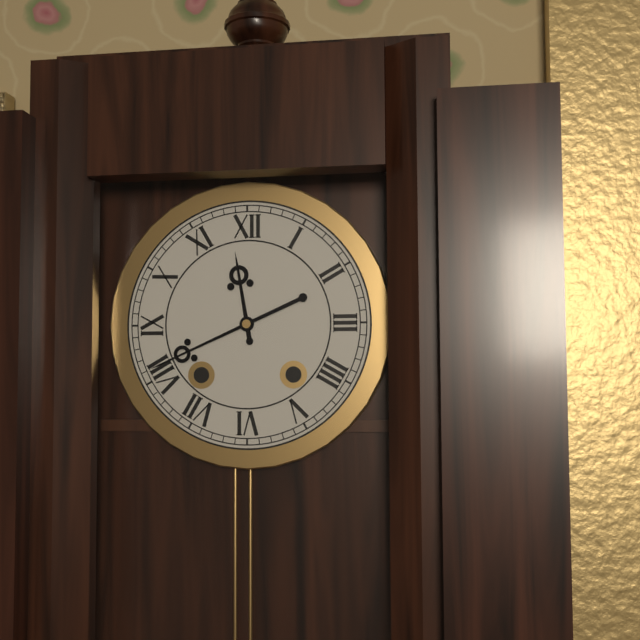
**11:41**
